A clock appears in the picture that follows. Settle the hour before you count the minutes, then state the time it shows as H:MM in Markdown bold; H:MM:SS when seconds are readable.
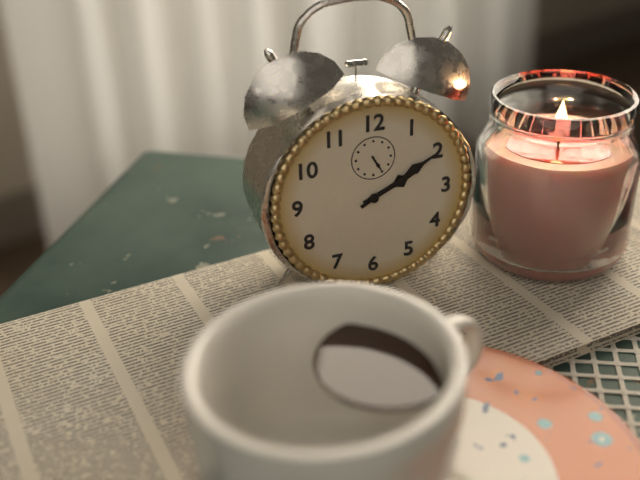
**2:10**
